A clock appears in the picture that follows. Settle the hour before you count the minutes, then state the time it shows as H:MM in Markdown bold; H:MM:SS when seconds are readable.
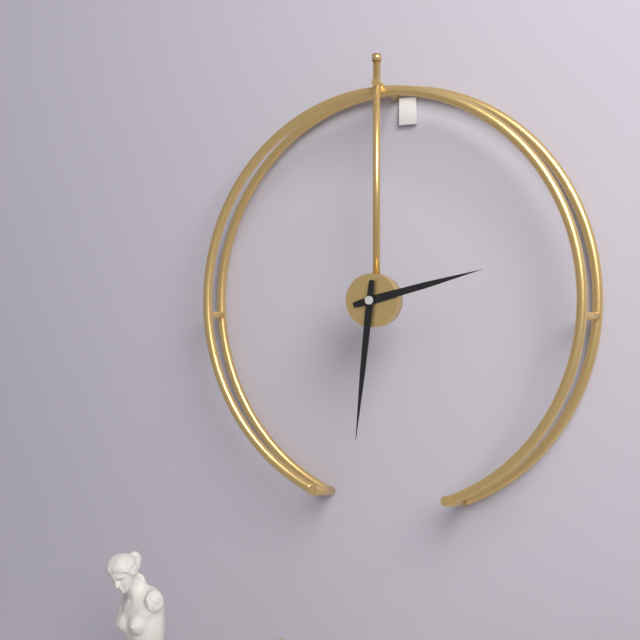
**2:31**
